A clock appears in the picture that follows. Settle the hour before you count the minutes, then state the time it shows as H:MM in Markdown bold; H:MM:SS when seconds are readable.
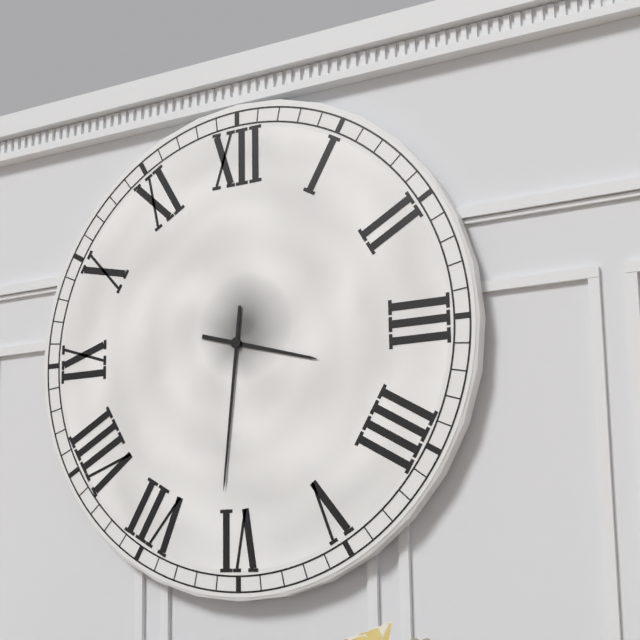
**3:31**
